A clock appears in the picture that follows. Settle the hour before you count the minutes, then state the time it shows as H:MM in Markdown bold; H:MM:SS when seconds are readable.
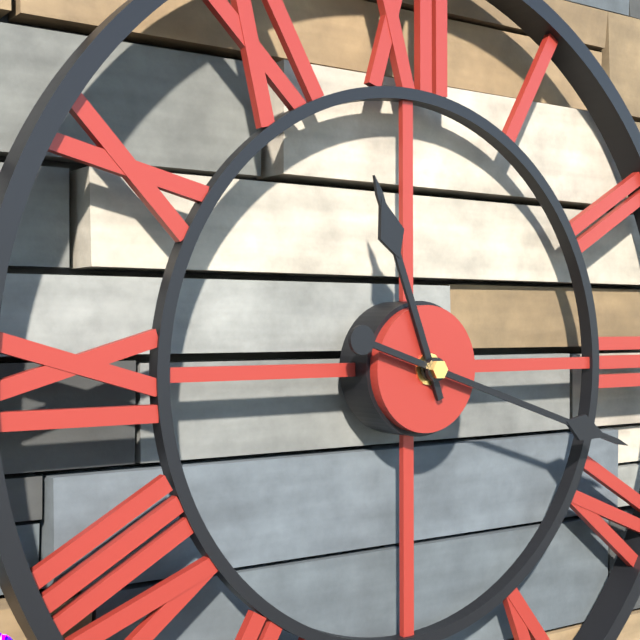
**11:18**
